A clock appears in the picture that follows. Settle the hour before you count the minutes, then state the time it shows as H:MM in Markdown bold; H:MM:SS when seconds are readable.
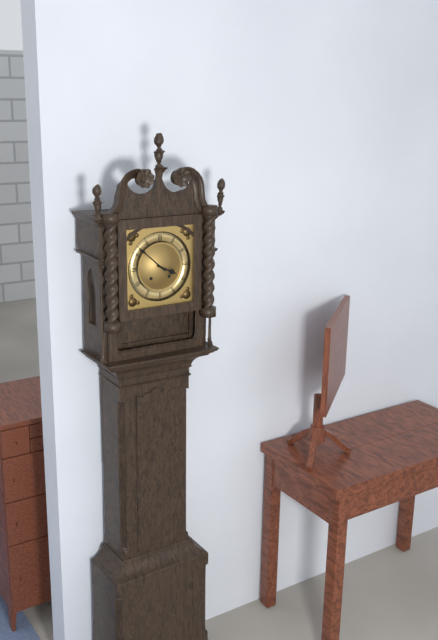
**3:52**
